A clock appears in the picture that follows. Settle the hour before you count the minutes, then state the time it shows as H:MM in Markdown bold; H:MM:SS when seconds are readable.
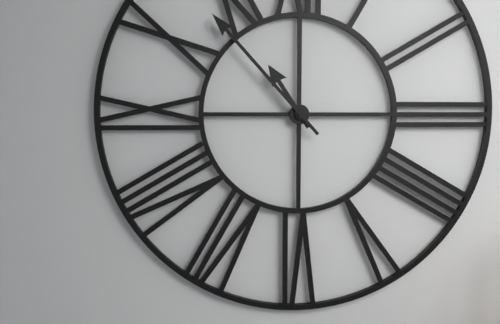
**10:53**
